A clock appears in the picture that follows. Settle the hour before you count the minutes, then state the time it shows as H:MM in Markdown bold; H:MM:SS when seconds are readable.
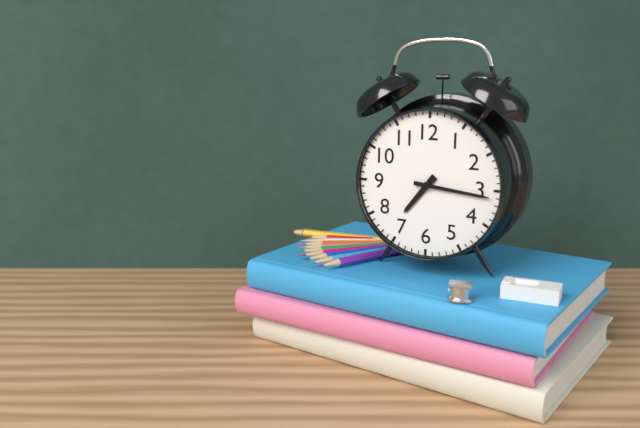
**7:16**
